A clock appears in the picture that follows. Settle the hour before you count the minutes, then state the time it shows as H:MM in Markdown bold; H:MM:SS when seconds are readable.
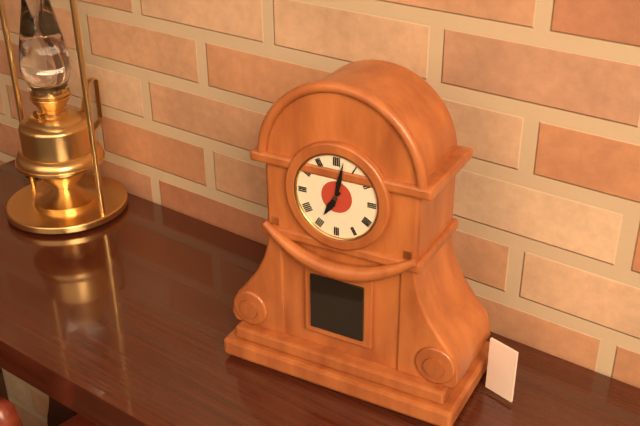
**7:02**
